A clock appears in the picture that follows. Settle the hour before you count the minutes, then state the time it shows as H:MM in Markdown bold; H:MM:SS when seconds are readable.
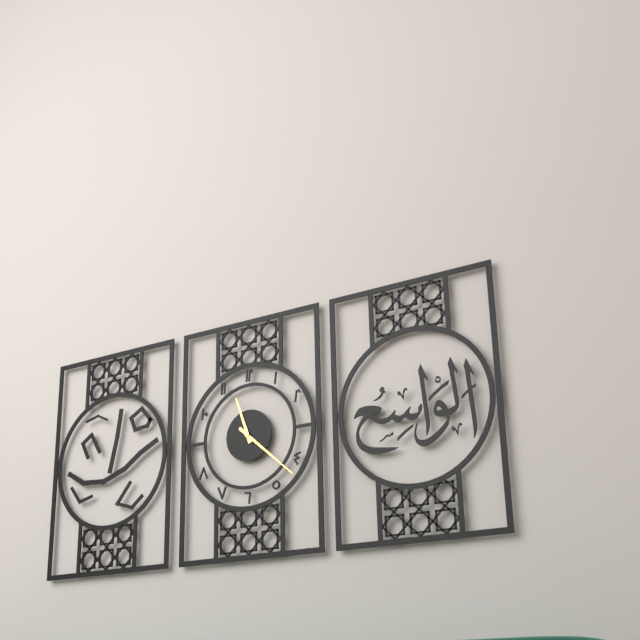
**11:22**
